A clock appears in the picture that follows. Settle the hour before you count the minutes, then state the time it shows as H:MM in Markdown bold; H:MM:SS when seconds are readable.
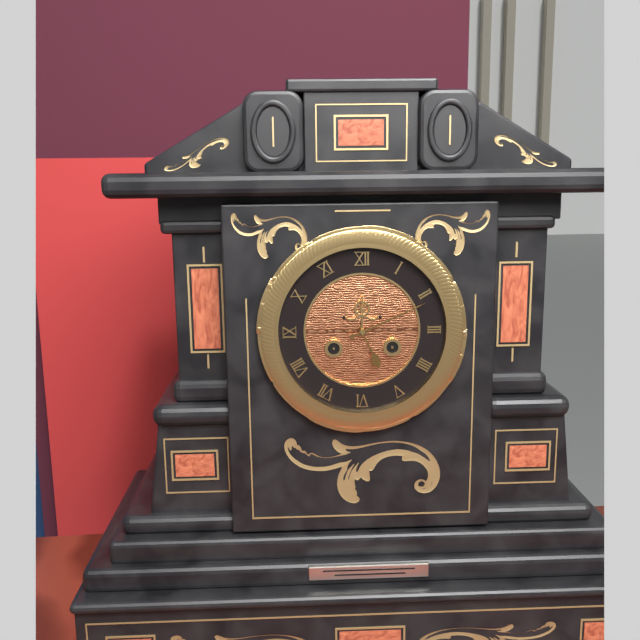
**5:11**
